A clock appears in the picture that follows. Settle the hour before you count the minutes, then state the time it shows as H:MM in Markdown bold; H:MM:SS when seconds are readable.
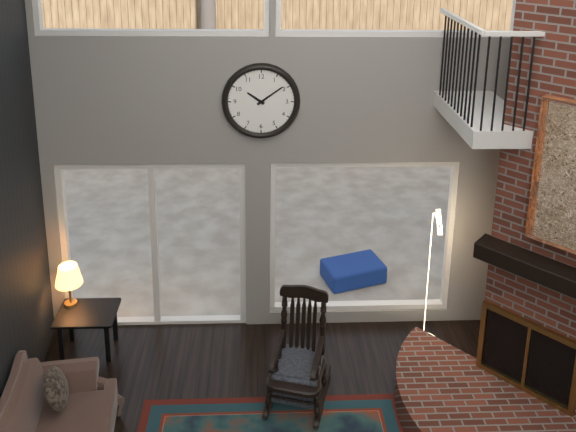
**10:09**
